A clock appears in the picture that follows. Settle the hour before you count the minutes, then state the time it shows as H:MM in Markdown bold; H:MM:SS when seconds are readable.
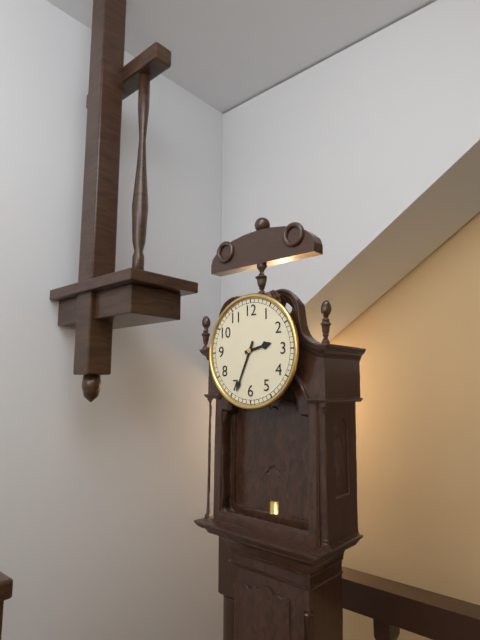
**2:34**
